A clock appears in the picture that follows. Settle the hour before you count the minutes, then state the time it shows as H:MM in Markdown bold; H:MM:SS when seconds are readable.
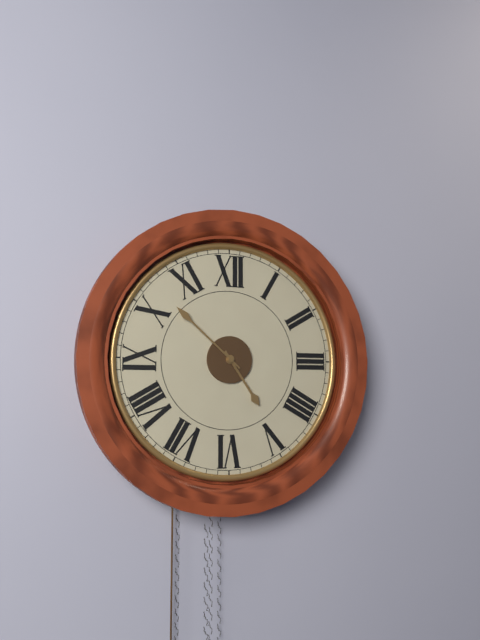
**4:52**
